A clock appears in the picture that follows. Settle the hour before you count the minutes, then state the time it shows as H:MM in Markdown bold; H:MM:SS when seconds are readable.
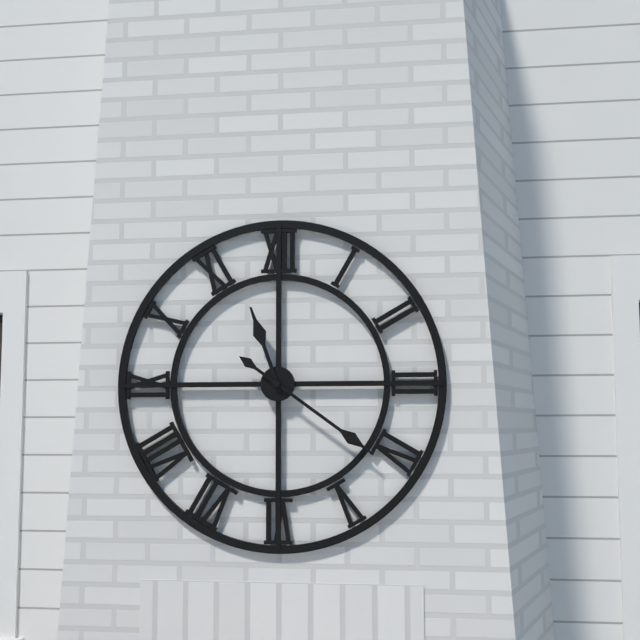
**11:21**
